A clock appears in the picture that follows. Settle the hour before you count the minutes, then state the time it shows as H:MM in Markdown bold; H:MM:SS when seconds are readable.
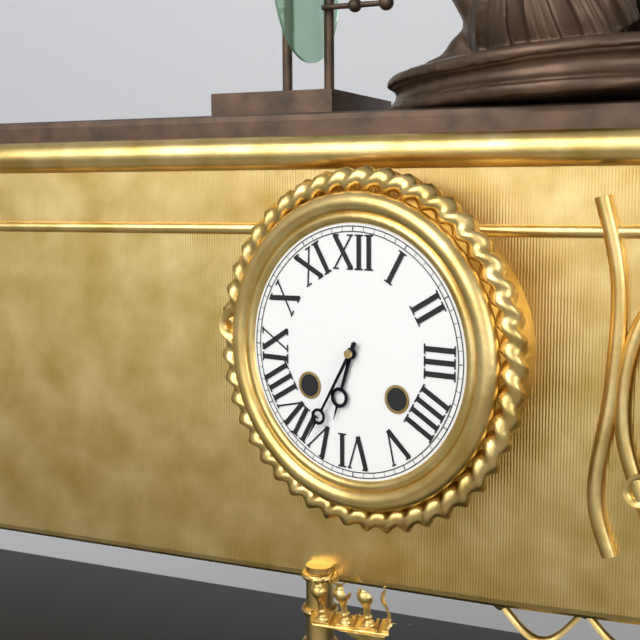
**6:35**
